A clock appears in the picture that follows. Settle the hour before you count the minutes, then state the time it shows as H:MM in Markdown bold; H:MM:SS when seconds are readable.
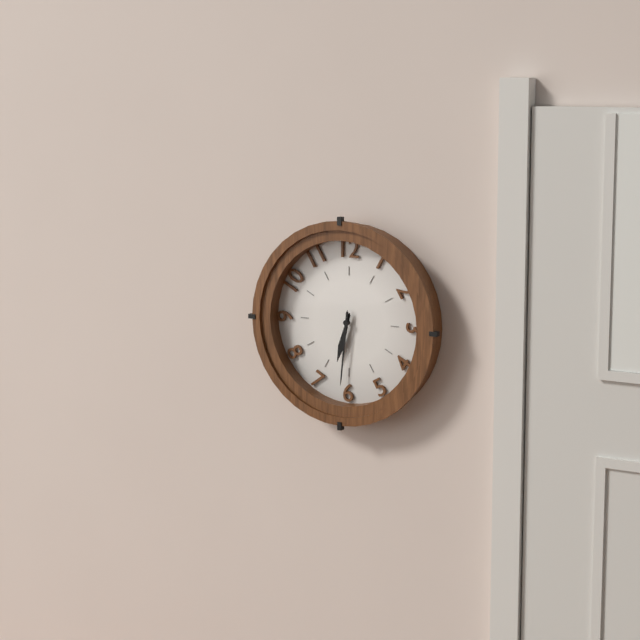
**6:31**
